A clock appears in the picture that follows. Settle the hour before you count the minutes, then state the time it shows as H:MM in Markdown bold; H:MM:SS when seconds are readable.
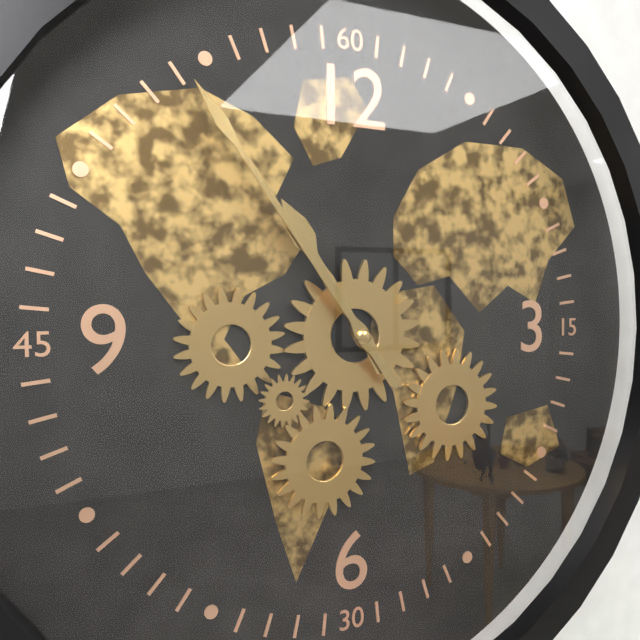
**10:54**
